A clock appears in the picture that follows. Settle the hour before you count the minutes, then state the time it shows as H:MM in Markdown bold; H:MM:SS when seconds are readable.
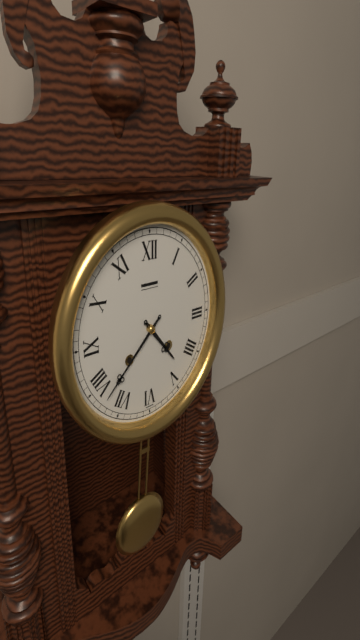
**4:38**
